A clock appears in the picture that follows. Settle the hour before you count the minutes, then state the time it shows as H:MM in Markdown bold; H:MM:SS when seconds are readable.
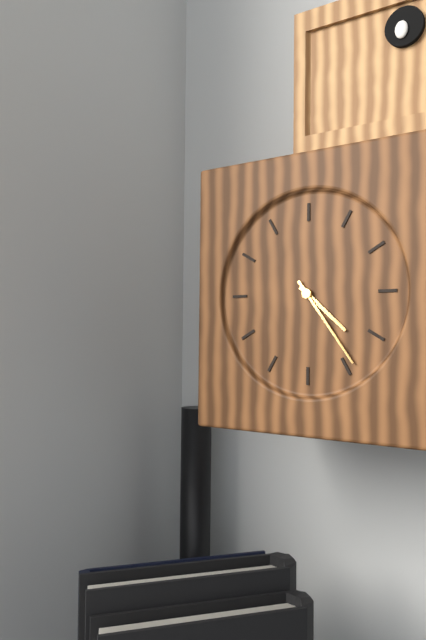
**4:24**
